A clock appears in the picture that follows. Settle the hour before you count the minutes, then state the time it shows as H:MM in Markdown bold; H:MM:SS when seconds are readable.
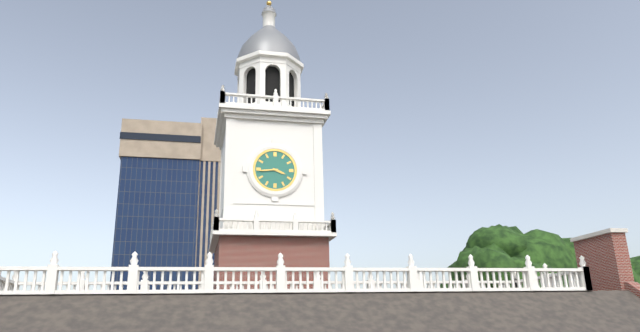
**3:44**
